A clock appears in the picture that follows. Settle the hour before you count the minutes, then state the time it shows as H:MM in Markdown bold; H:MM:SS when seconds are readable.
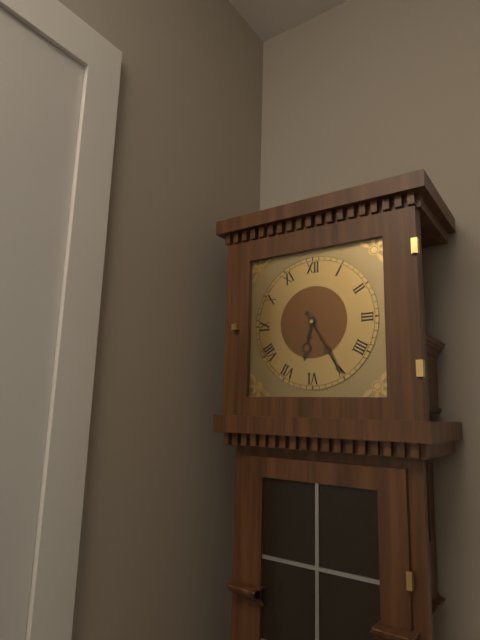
**6:25**
